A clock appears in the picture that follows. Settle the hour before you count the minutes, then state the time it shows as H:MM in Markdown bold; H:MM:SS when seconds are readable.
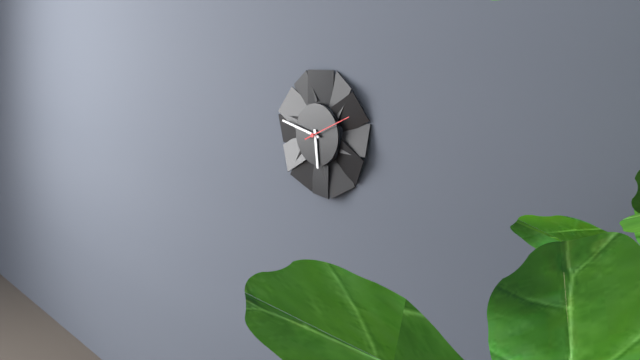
**5:47**
